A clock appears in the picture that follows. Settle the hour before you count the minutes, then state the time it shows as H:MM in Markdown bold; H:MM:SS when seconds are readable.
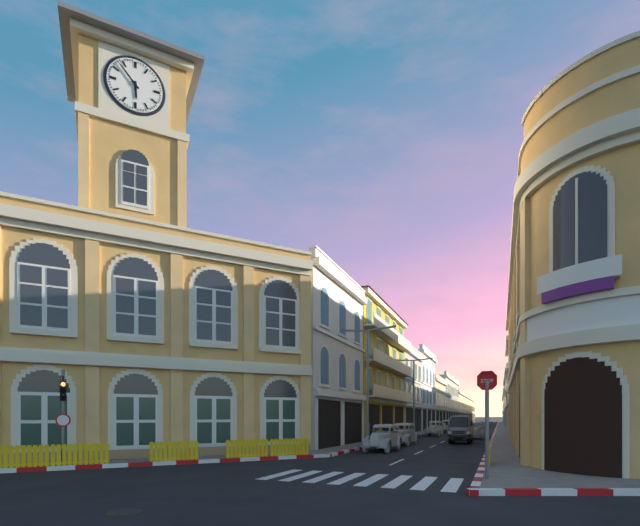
**5:53**
